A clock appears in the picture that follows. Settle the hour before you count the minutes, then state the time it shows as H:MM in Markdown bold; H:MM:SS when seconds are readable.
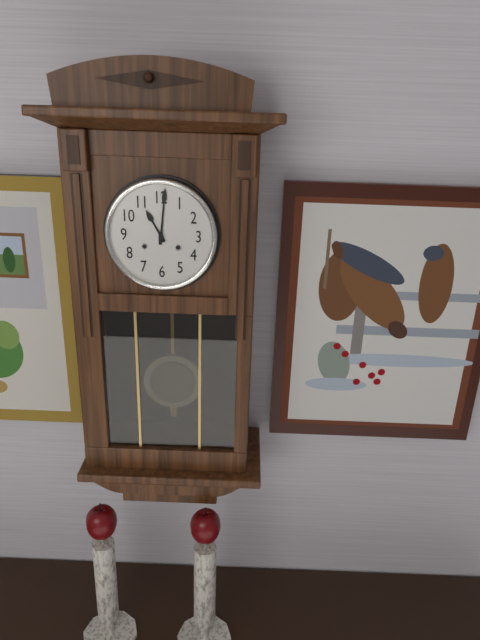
**11:01**
